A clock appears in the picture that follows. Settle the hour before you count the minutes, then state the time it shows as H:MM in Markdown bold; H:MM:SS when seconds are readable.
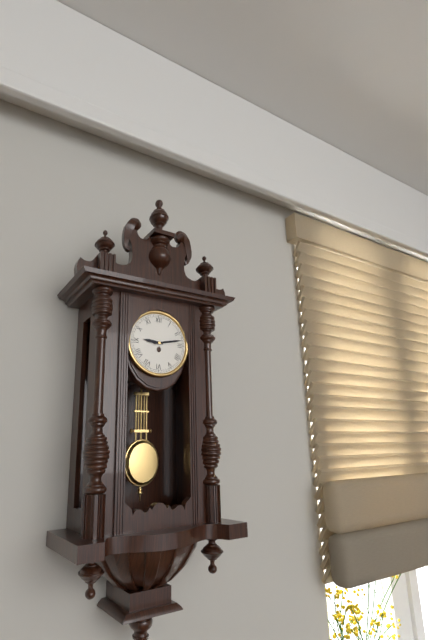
**9:13**
